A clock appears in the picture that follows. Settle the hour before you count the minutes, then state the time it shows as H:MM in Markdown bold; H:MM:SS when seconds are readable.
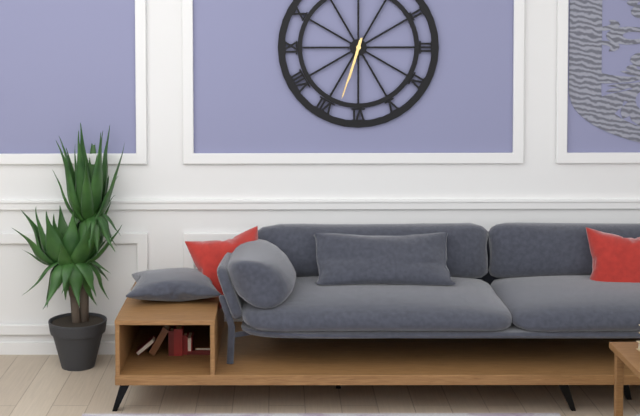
**6:33**
